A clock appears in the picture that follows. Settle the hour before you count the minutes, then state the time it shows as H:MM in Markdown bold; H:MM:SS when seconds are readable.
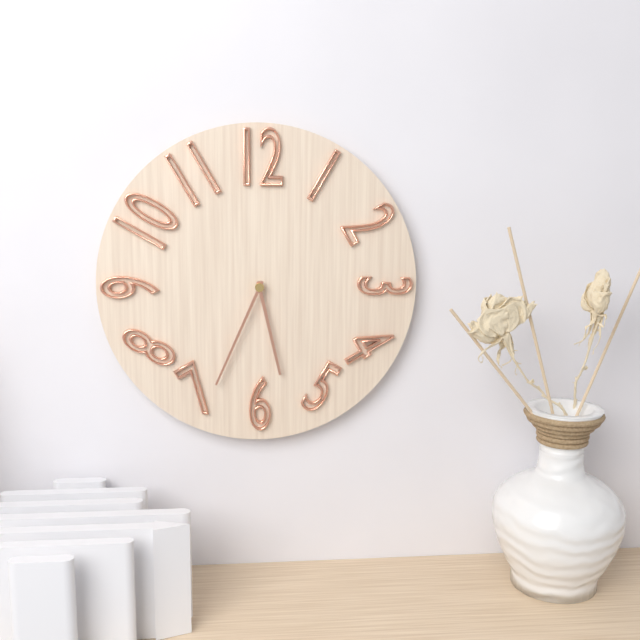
**5:34**
